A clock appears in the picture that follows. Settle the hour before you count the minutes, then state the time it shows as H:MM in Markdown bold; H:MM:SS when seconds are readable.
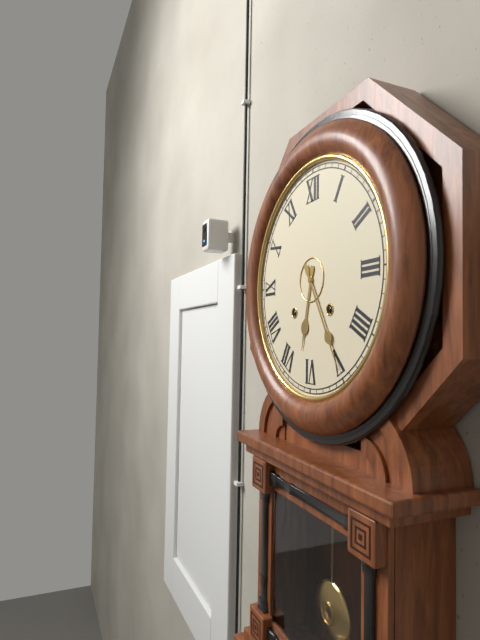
**6:25**
